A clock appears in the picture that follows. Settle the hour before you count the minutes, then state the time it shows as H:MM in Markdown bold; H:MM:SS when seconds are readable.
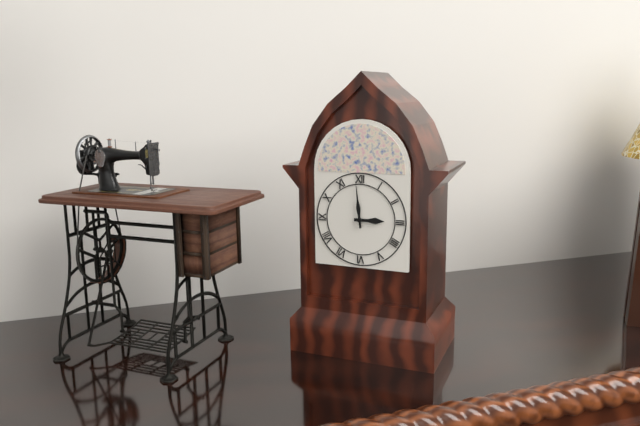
**2:59**
